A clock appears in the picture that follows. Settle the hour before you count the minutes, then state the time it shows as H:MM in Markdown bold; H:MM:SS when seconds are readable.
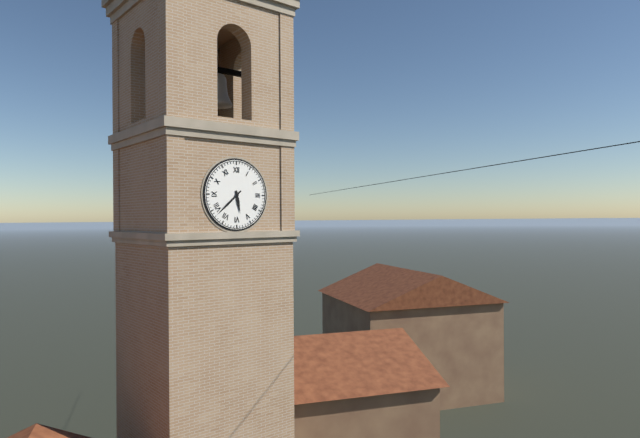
**5:38**
